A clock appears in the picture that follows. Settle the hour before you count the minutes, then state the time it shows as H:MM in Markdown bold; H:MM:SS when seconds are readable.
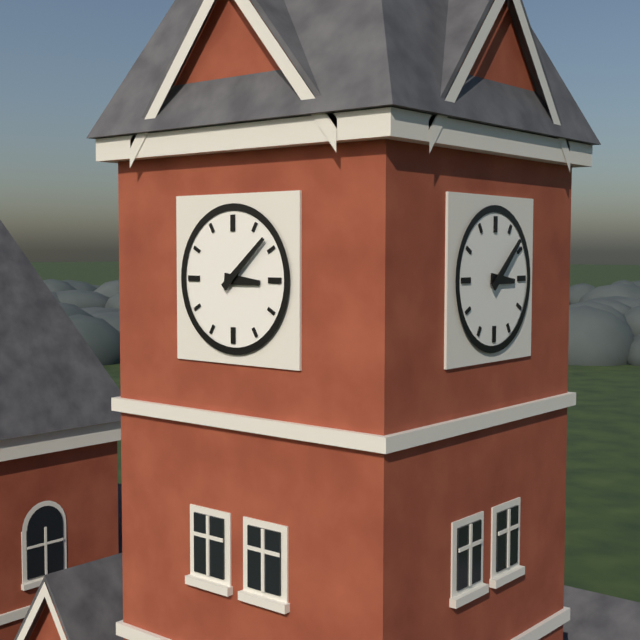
**3:08**
